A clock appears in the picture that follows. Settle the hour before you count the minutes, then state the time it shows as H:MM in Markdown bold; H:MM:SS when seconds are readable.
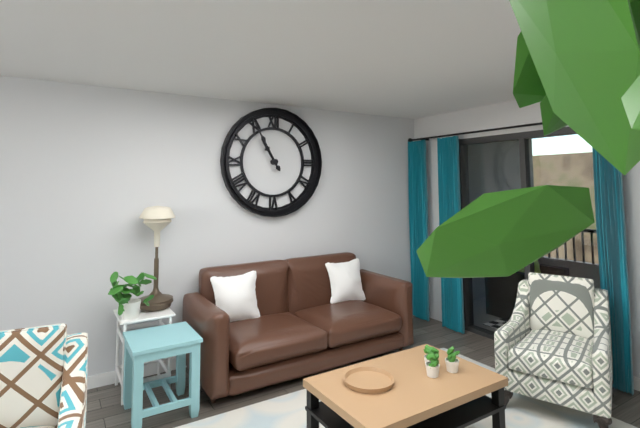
**10:55**
